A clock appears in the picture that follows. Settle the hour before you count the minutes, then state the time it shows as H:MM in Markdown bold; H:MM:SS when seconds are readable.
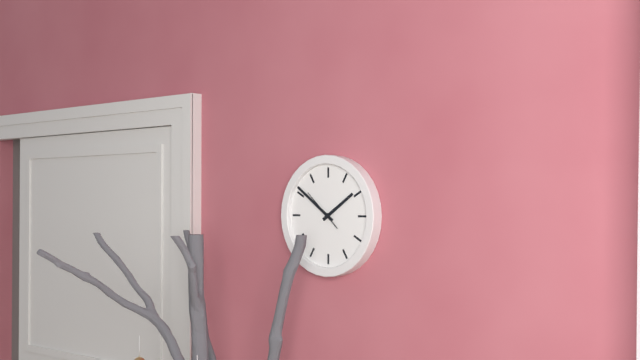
**1:51**
